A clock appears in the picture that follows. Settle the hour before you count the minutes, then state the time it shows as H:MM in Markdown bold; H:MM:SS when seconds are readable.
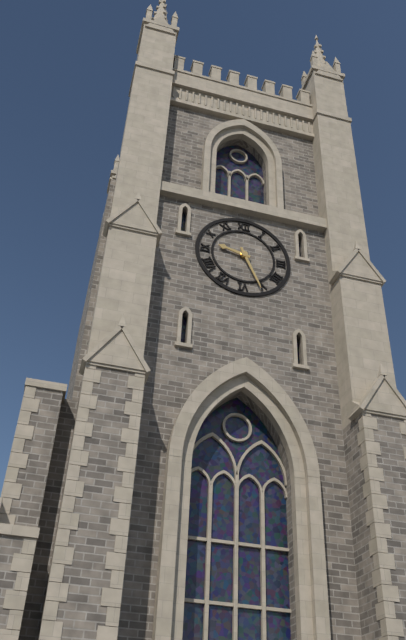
**9:26**
